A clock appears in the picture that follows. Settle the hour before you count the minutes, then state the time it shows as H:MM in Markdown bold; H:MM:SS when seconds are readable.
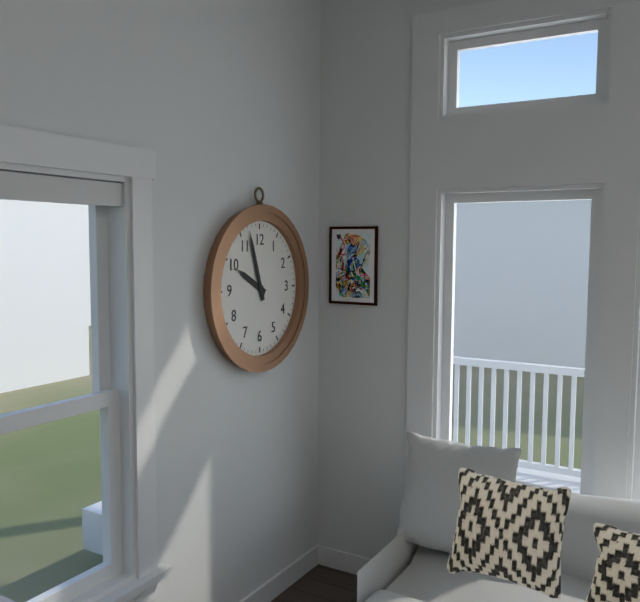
**9:57**
